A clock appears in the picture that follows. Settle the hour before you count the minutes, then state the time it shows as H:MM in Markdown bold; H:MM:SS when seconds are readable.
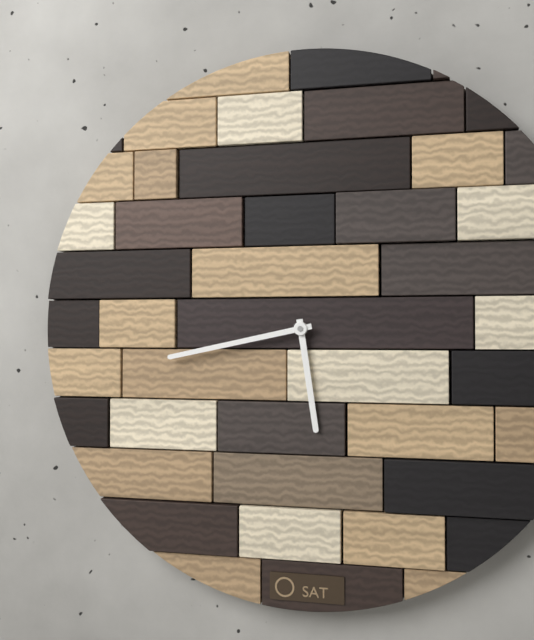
**5:43**
